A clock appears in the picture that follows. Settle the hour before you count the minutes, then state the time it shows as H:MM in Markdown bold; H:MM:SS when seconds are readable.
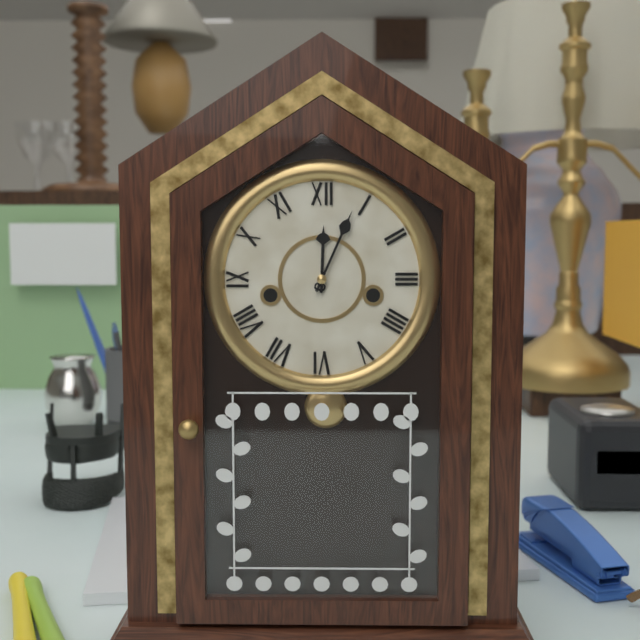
**12:04**
